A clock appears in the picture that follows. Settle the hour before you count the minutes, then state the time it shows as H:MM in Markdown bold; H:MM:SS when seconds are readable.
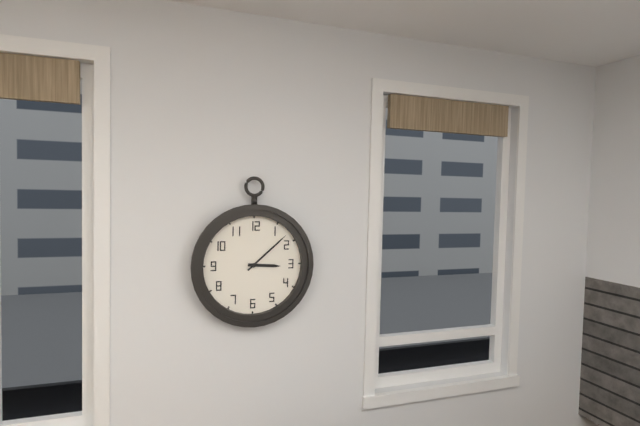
**3:08**
